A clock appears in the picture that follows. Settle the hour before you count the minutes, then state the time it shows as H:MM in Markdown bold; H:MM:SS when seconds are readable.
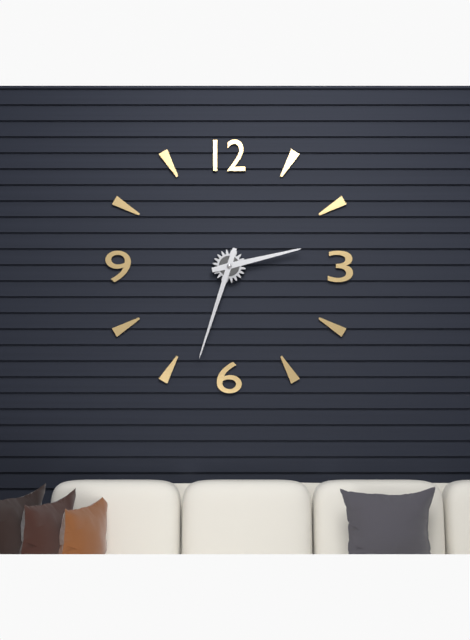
**2:33**
